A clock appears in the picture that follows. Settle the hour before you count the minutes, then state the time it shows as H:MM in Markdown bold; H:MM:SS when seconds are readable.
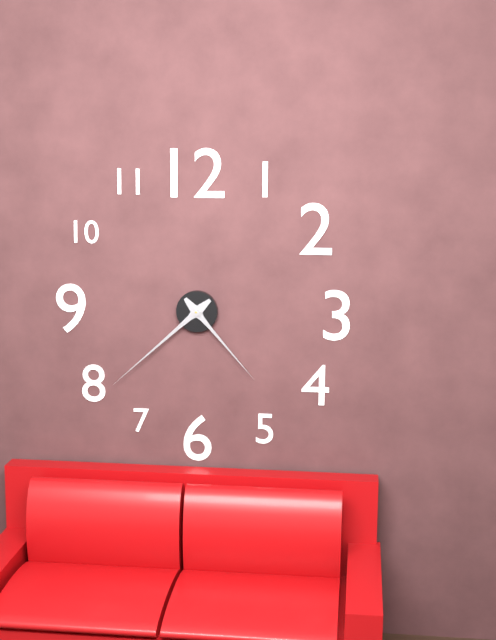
**4:38**
